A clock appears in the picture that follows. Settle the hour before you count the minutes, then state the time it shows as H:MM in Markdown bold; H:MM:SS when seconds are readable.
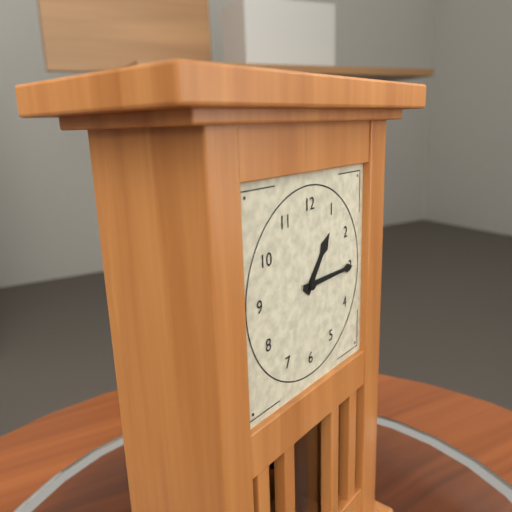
**1:15**
